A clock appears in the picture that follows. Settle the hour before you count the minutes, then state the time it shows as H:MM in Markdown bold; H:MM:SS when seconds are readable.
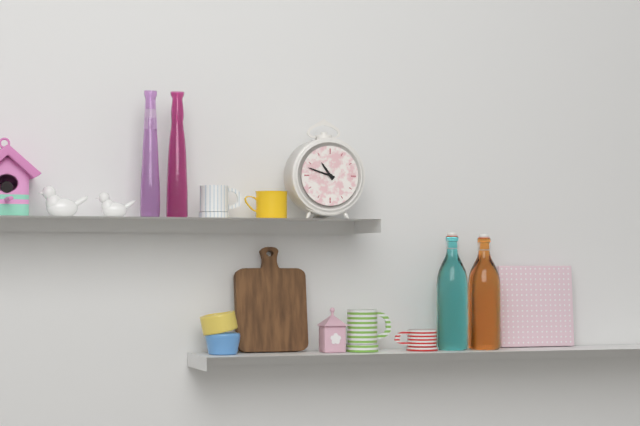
**10:48**
